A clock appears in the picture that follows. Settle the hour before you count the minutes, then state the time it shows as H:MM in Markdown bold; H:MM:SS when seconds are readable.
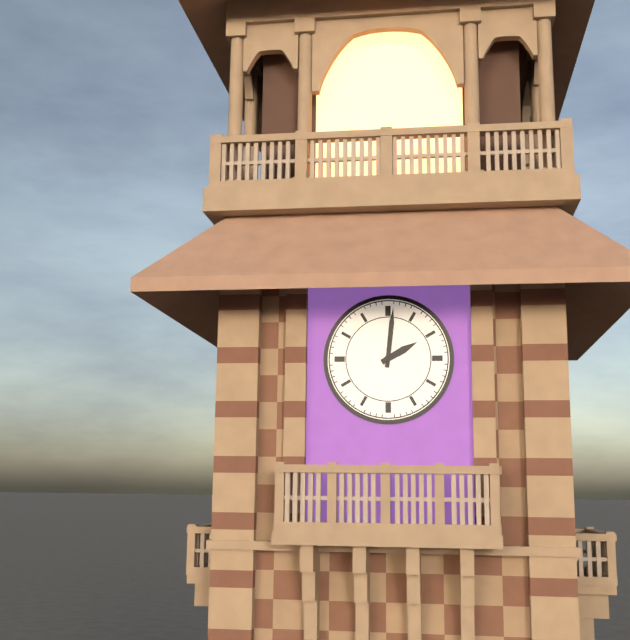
**2:01**
